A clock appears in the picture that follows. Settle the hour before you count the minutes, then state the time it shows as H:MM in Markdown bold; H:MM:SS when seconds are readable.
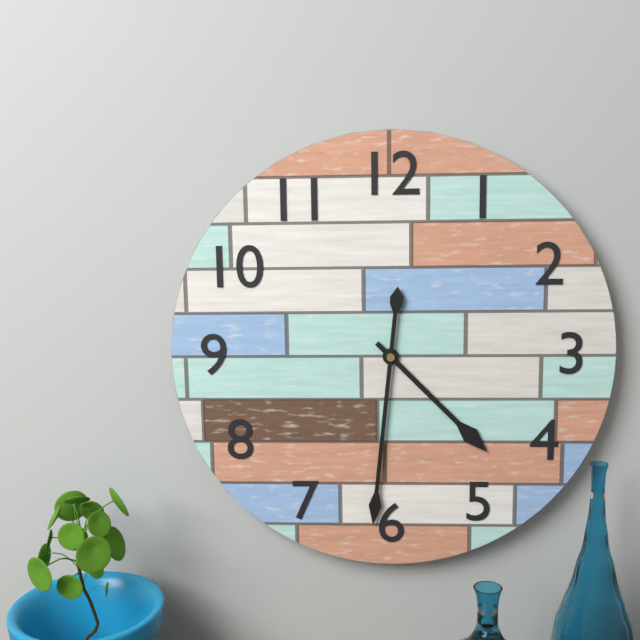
**4:31**
